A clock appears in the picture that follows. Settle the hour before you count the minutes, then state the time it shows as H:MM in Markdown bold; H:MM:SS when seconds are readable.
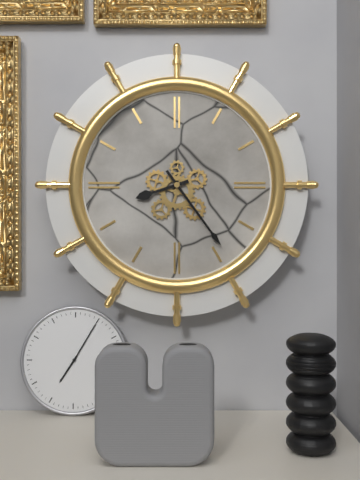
**8:24**
